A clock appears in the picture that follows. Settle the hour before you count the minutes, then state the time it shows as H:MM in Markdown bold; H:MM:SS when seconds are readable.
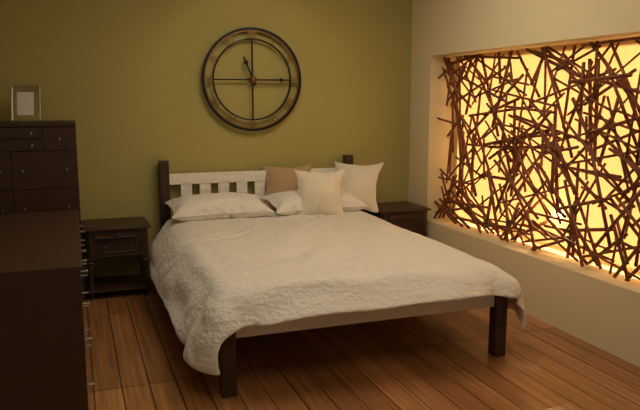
**11:15**
